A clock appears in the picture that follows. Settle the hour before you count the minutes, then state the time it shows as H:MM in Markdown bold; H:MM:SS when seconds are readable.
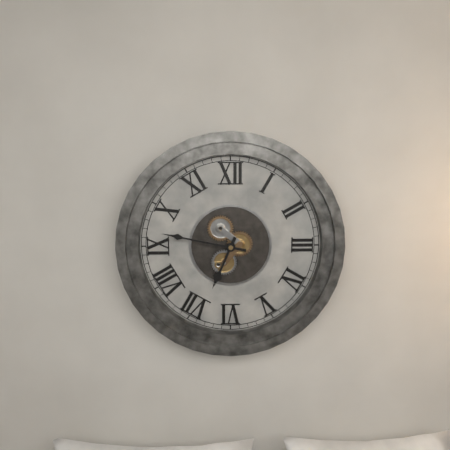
**6:47**
